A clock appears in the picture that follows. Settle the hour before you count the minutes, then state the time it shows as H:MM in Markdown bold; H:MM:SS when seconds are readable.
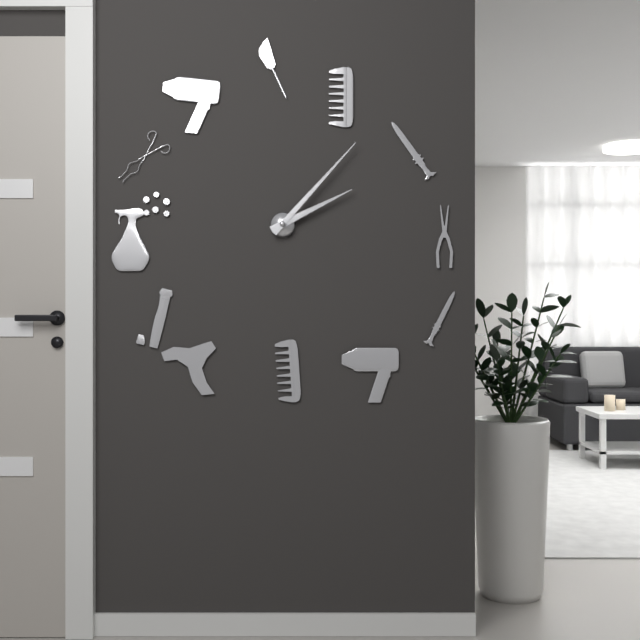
**2:07**
